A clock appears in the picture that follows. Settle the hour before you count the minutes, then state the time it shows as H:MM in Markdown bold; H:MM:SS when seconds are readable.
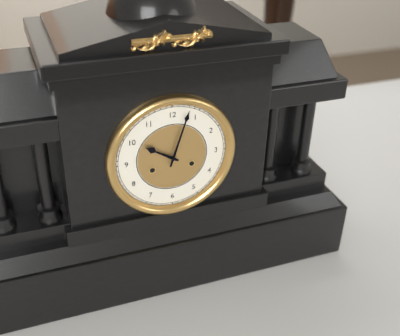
**10:03**
